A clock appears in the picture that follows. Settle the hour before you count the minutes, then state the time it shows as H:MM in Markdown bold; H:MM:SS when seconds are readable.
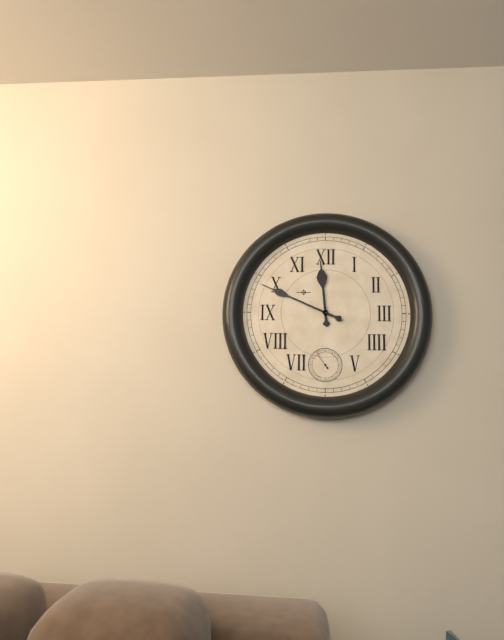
**11:49**
